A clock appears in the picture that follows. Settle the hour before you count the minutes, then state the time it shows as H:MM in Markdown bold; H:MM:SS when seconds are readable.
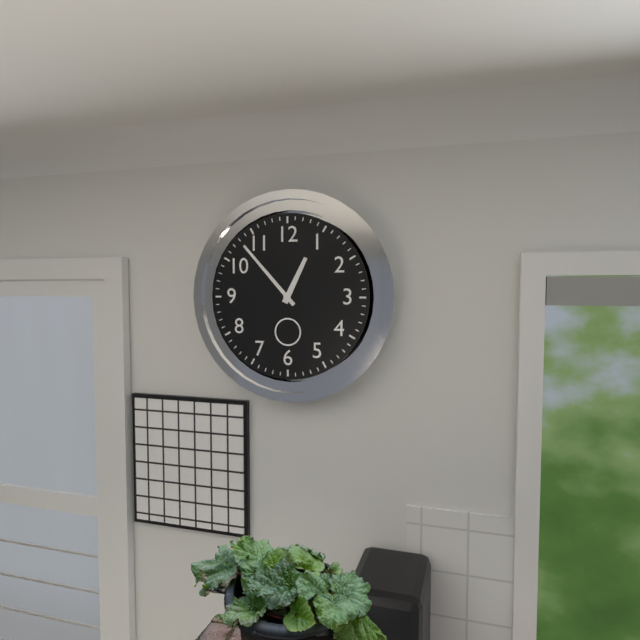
**12:53**
